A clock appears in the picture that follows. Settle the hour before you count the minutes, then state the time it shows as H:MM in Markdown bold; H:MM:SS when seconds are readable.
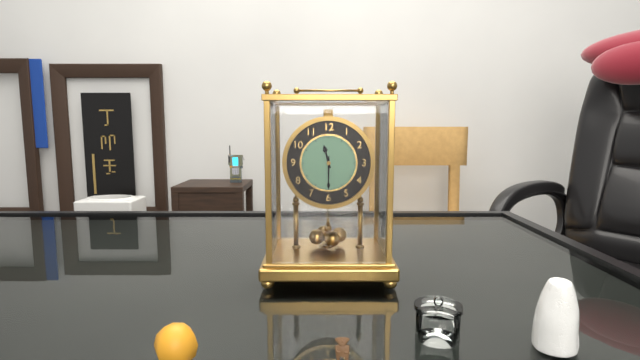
**11:30**
